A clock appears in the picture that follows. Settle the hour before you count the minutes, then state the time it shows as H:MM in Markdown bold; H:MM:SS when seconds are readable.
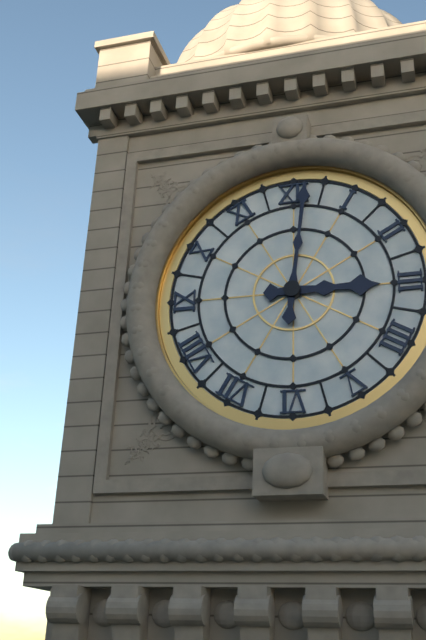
**3:01**
